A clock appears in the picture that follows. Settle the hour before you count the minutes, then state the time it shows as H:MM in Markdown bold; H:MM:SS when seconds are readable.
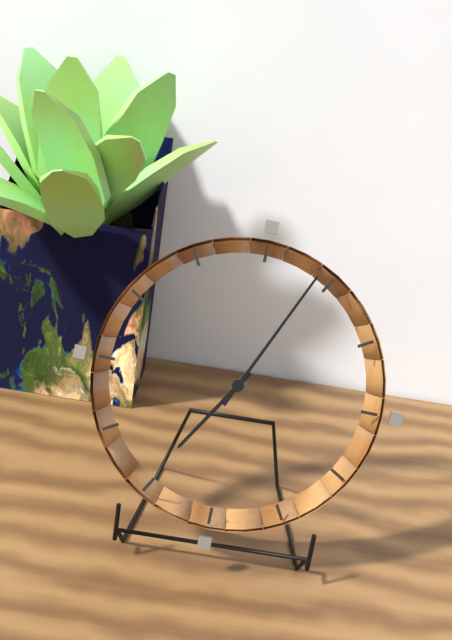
**7:04**
